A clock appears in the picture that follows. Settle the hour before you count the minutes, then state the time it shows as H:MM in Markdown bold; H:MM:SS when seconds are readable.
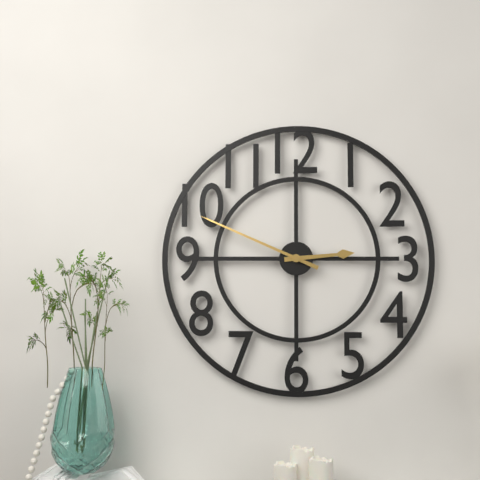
**2:49**
